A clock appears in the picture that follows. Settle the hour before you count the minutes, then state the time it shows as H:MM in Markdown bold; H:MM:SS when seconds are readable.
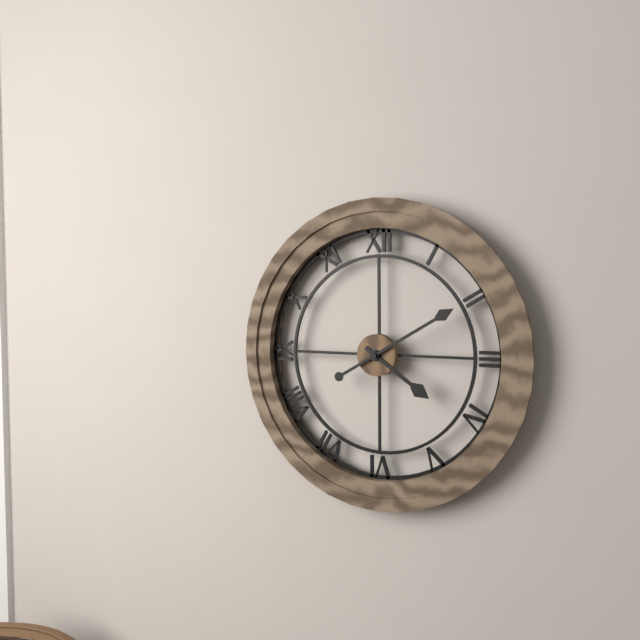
**4:10**
